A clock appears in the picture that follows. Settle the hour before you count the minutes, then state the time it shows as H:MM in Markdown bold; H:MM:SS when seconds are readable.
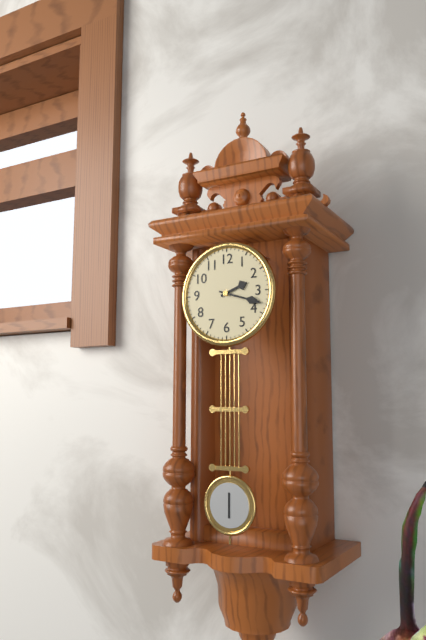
**2:18**
